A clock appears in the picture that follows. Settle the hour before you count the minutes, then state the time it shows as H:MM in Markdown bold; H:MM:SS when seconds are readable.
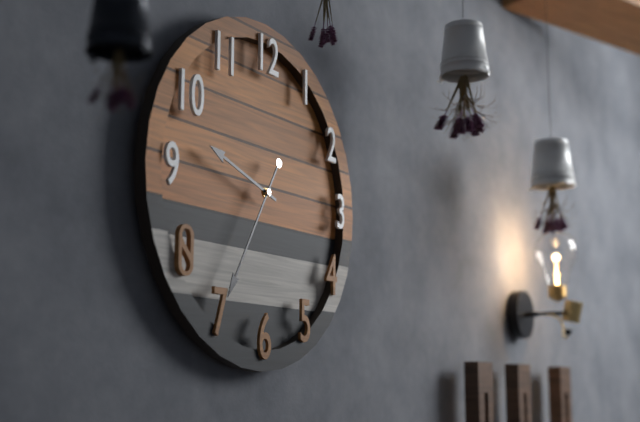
**9:35**
